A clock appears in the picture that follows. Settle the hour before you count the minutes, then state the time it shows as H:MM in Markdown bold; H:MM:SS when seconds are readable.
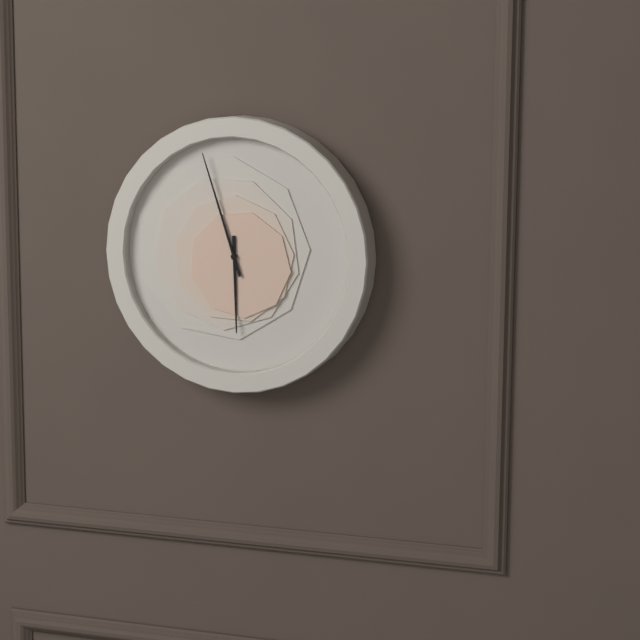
**5:57**
